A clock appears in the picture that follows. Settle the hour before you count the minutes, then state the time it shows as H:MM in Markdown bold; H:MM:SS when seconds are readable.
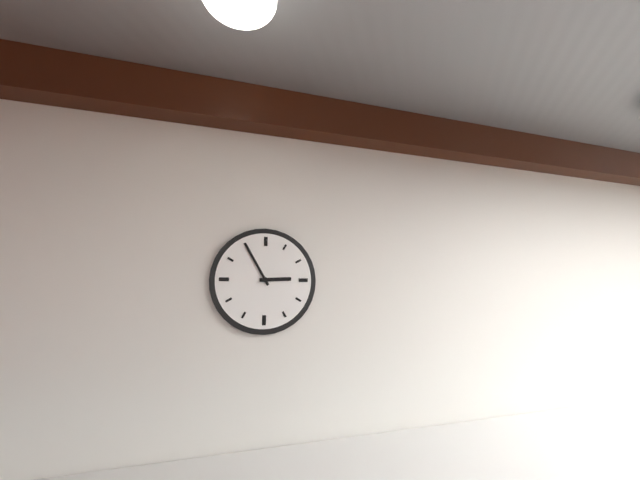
**2:55**
